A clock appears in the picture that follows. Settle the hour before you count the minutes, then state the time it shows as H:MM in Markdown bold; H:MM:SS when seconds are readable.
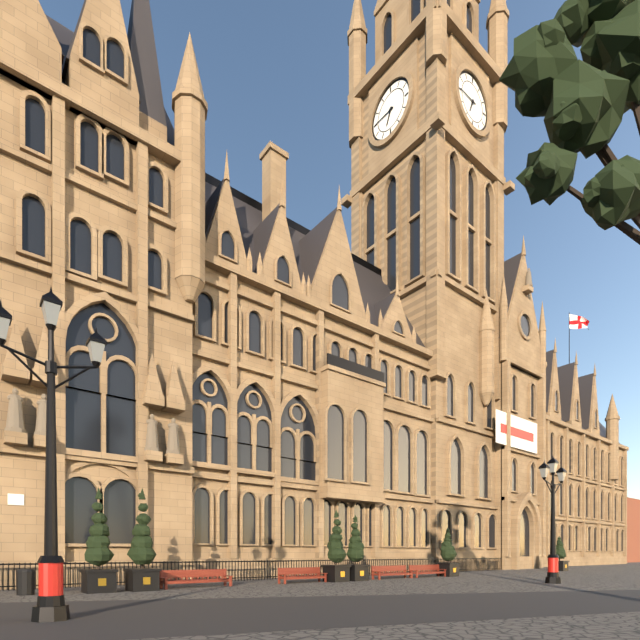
**6:45**
